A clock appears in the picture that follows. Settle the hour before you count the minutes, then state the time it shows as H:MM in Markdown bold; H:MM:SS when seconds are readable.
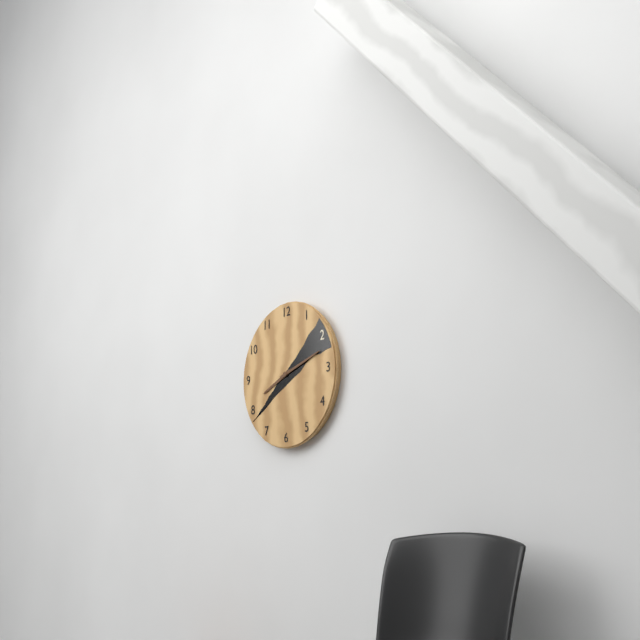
**8:12**
